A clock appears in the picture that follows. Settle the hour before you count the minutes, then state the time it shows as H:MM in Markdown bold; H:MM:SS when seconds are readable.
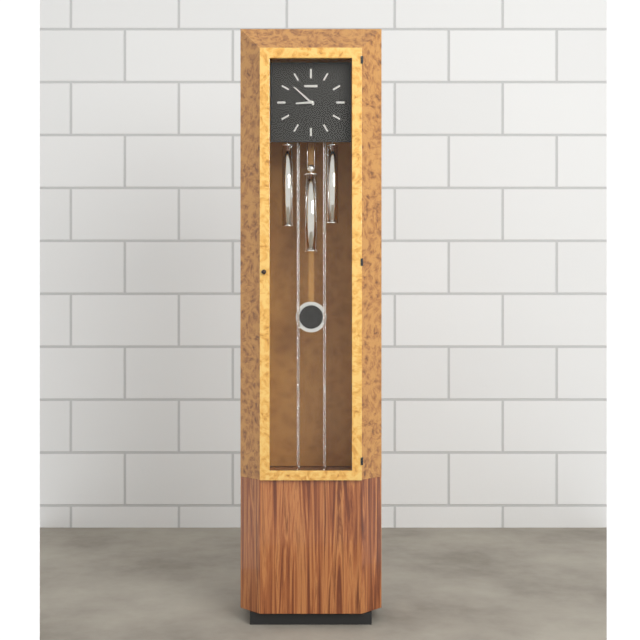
**8:52**
